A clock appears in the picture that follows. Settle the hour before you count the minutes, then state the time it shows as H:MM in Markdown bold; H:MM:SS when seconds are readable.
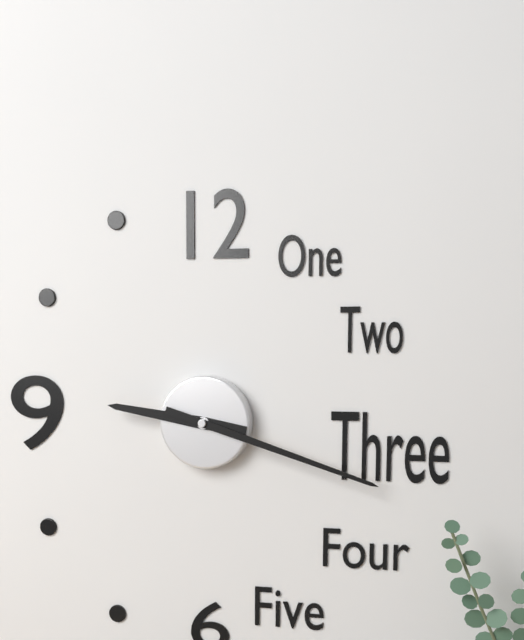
**9:18**
